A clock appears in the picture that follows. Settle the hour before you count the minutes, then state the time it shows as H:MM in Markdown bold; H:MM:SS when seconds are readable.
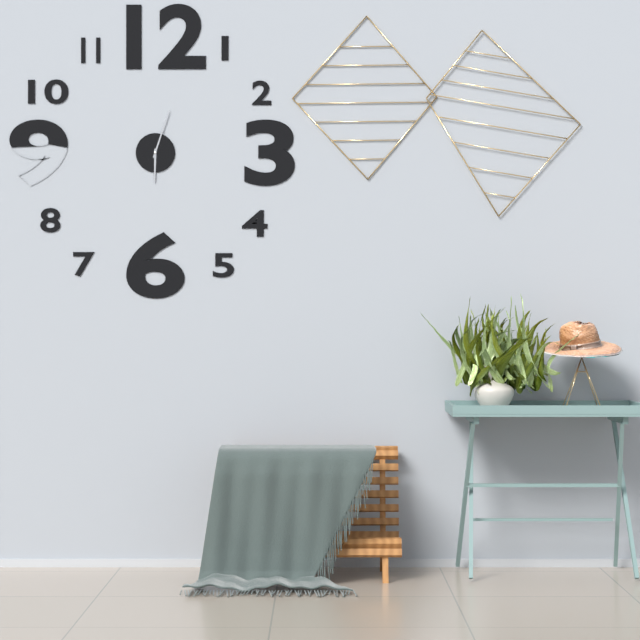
**6:03**
